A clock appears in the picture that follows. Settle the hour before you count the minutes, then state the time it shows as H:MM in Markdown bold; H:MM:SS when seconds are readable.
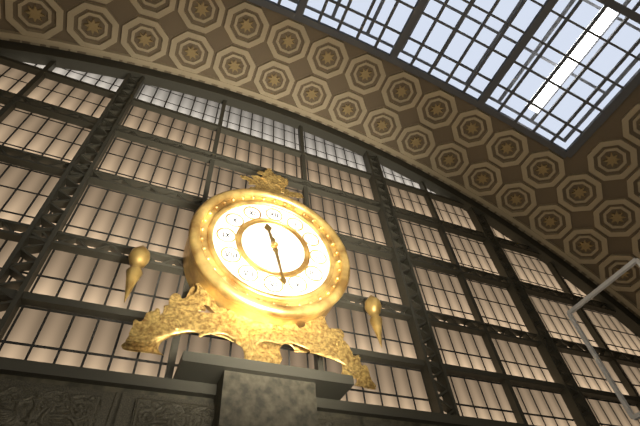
**11:28**
